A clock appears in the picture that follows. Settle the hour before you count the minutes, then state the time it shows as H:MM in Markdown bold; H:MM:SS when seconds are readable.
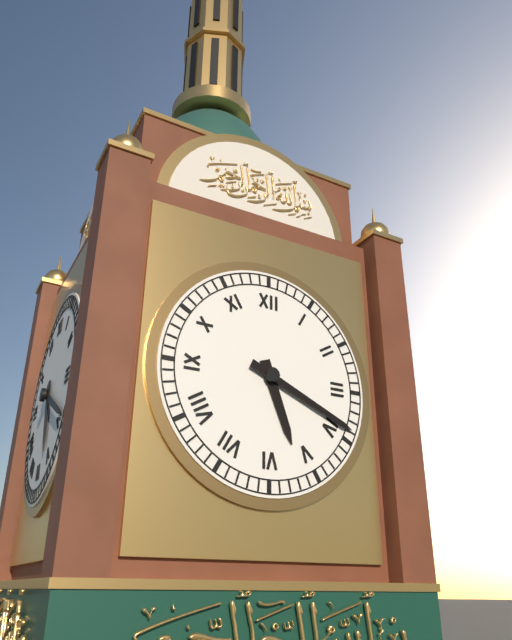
**5:19**
